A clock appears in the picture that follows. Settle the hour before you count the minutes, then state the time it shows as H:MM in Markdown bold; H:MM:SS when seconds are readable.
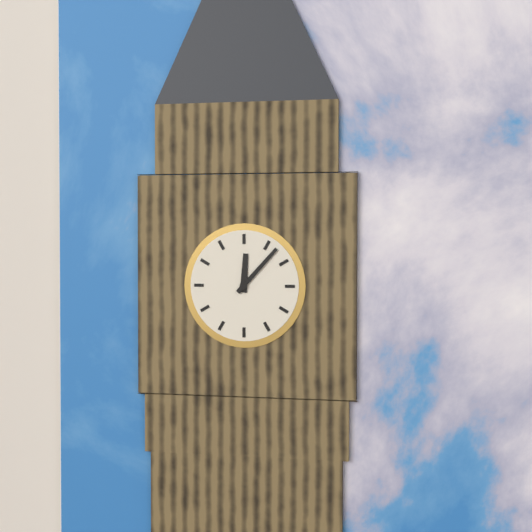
**12:07**
